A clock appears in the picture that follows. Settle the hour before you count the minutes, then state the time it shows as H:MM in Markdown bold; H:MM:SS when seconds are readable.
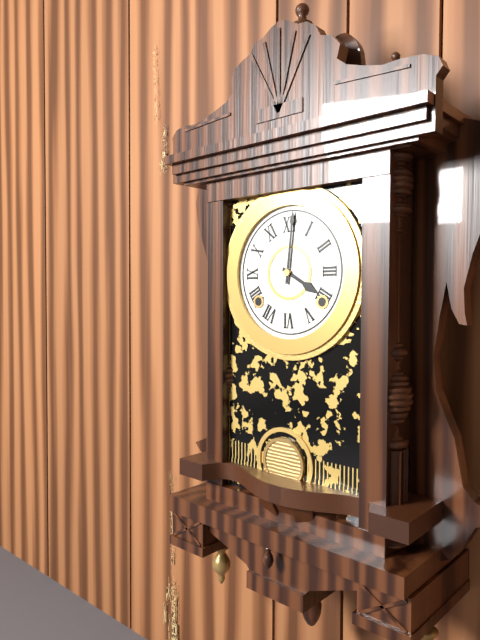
**4:01**
